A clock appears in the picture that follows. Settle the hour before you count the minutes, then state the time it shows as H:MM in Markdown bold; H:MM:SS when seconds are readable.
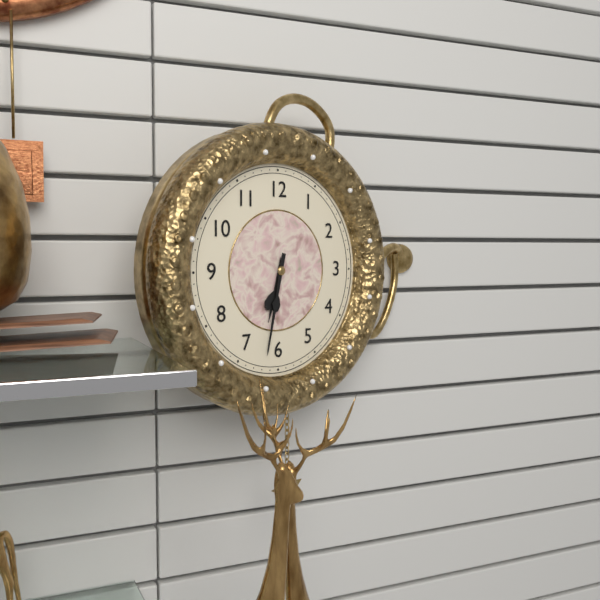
**6:32**
